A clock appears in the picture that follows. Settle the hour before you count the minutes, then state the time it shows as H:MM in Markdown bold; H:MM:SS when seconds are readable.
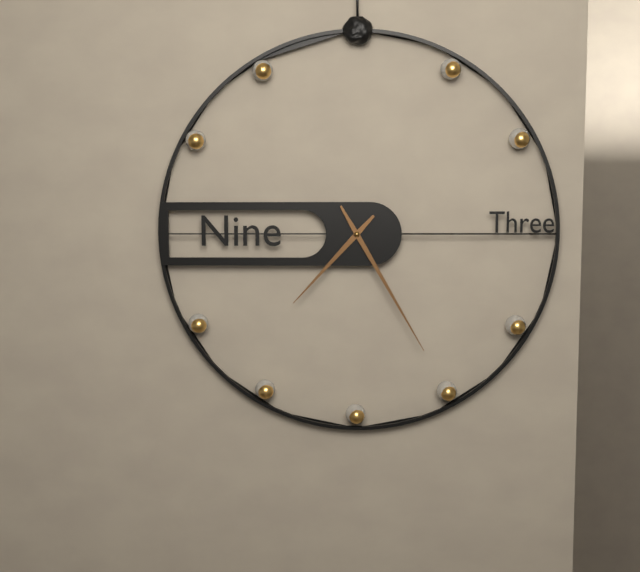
**7:25**
